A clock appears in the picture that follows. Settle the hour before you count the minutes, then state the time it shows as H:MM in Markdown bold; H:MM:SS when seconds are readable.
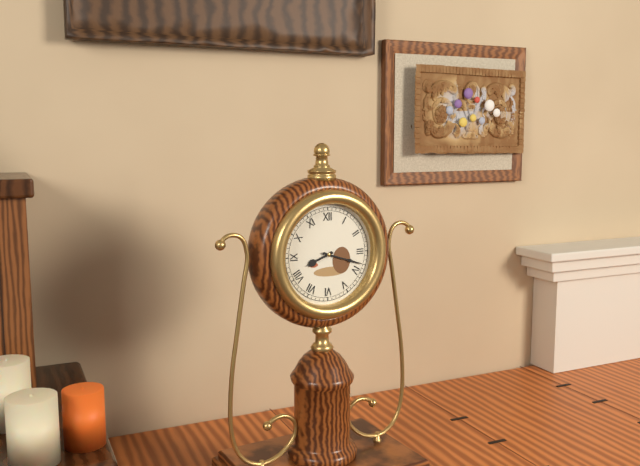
**8:18**
